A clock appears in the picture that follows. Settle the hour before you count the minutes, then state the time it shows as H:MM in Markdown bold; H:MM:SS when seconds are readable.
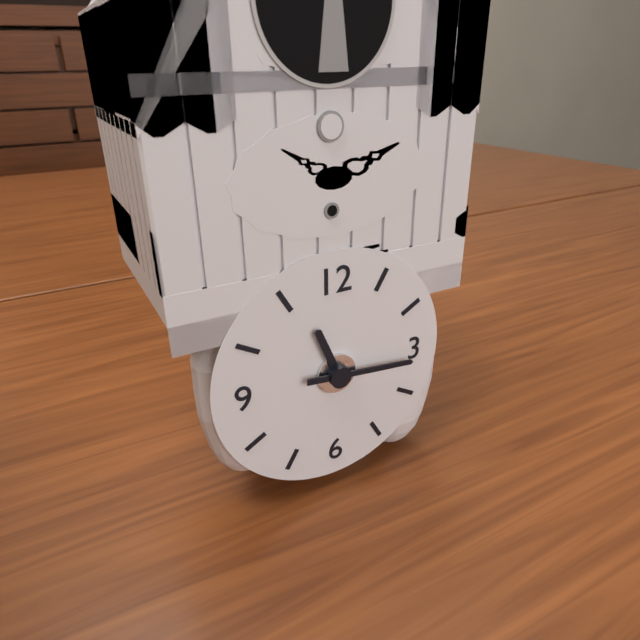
**11:16**
